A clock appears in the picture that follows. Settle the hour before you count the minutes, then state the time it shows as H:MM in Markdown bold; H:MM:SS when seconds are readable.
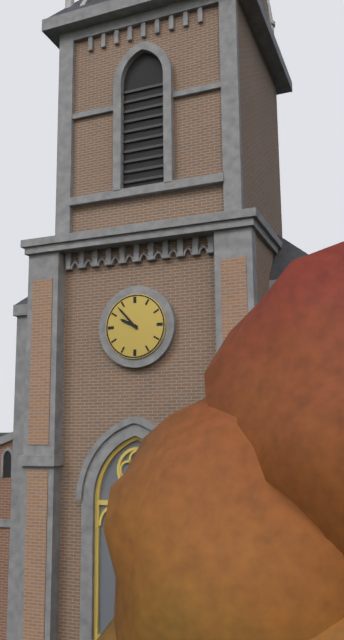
**9:53**
